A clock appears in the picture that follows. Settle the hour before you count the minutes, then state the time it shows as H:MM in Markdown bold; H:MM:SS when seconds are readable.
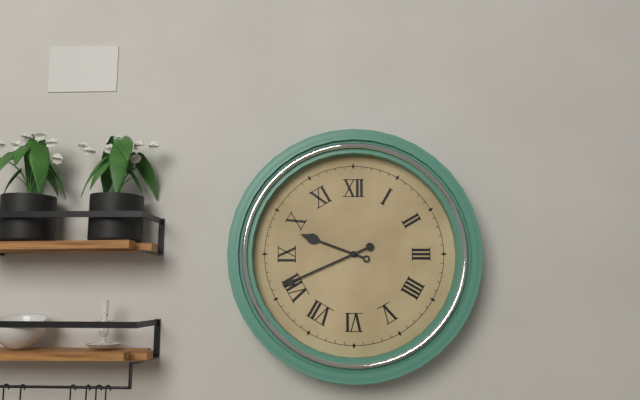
**9:41**
